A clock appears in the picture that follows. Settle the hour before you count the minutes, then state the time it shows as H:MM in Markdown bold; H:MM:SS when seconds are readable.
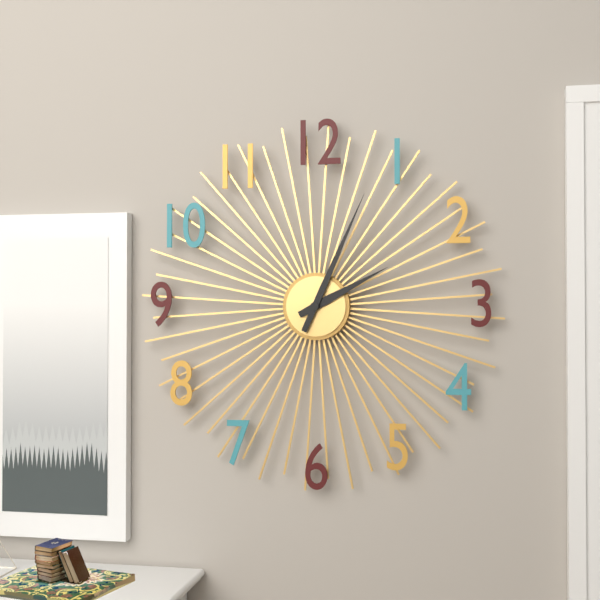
**2:04**
